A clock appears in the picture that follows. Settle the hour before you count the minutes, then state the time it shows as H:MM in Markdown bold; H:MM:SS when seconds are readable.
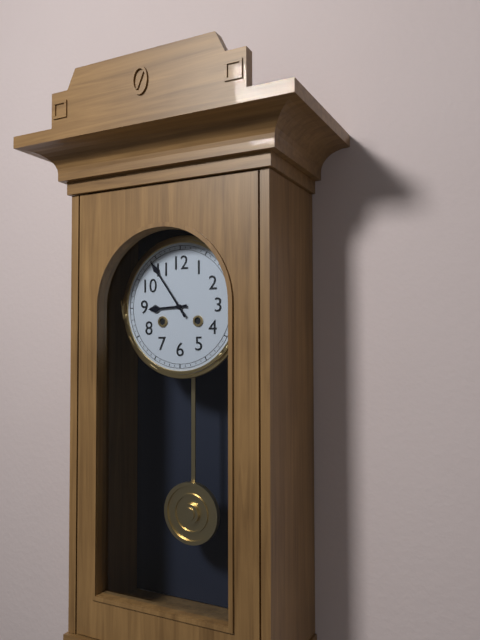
**8:54**
